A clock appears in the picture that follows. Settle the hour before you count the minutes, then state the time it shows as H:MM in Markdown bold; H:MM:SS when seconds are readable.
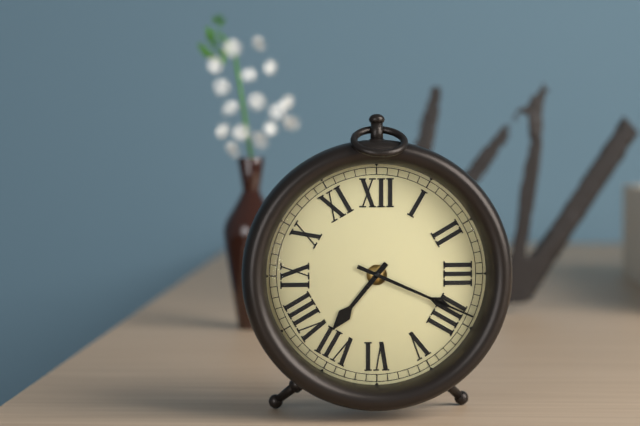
**7:19**
